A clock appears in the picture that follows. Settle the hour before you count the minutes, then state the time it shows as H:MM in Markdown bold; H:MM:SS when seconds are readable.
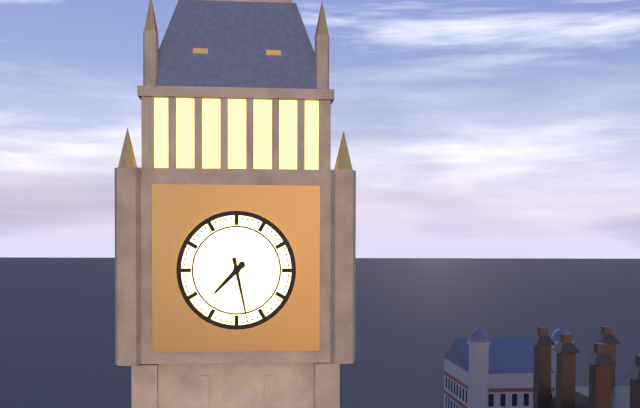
**7:28**
